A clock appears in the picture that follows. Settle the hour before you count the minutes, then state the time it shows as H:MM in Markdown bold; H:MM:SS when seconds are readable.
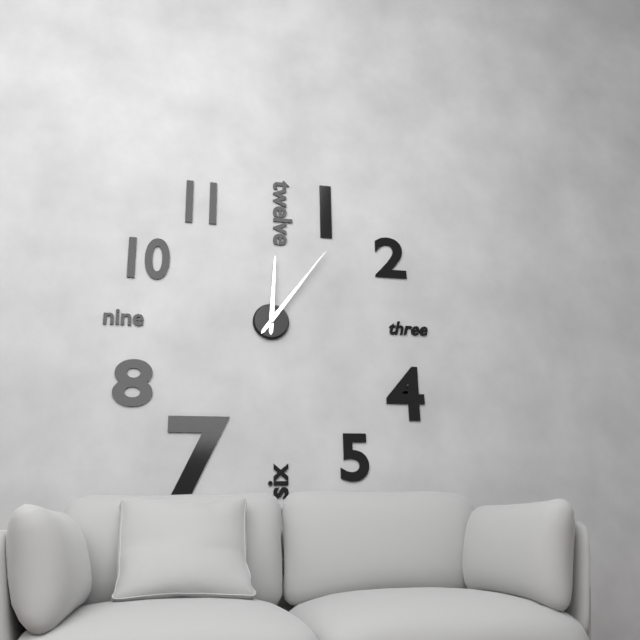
**12:06**
